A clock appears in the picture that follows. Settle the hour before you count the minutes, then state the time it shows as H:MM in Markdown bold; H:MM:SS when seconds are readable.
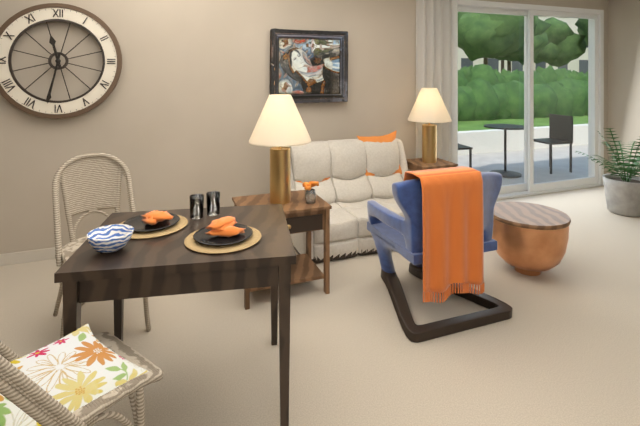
**11:32**
